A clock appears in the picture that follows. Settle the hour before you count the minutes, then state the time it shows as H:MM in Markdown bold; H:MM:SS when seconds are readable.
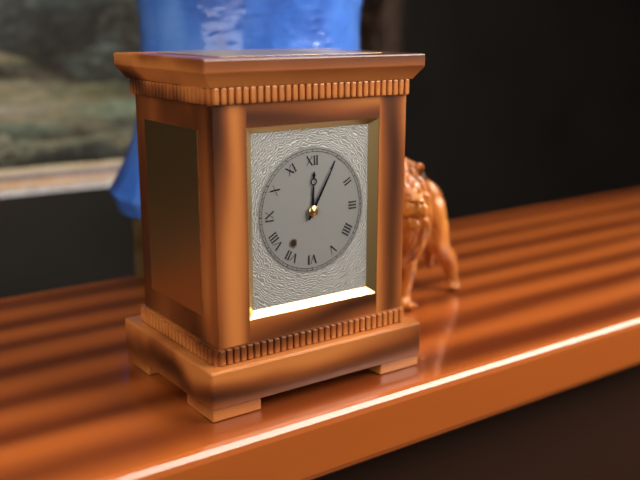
**12:05**
